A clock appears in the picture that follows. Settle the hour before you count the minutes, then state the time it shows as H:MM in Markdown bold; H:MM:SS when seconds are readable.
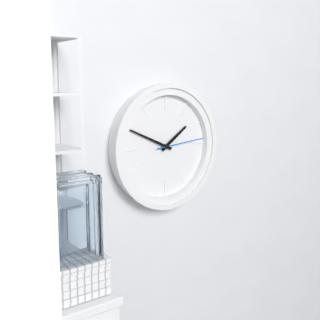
**1:49**
